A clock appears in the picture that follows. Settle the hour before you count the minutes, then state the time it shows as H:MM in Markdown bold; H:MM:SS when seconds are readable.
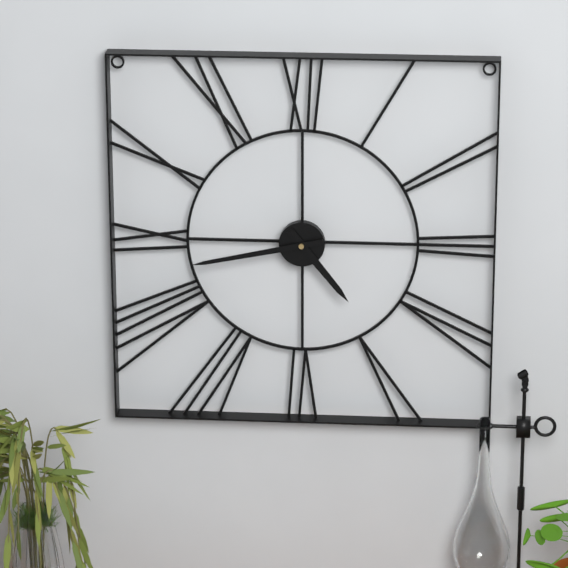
**4:43**
